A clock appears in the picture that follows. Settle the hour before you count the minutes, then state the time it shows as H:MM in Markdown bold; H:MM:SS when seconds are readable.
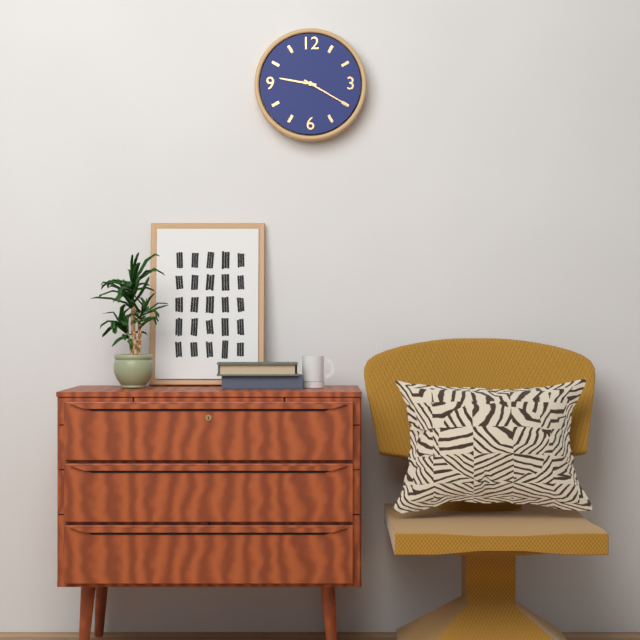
**9:20**
